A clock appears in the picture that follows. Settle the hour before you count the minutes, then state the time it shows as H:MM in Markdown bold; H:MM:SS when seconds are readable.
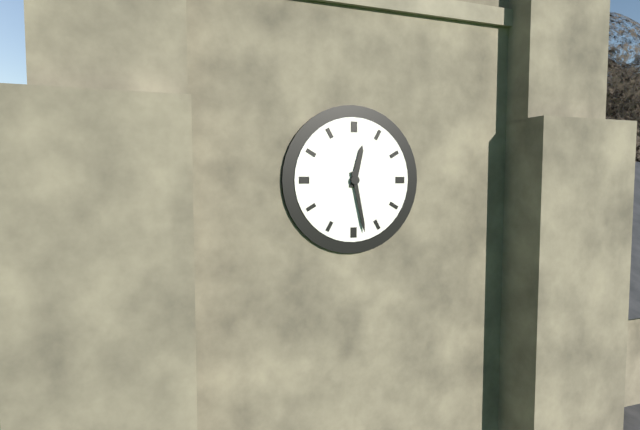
**12:28**
